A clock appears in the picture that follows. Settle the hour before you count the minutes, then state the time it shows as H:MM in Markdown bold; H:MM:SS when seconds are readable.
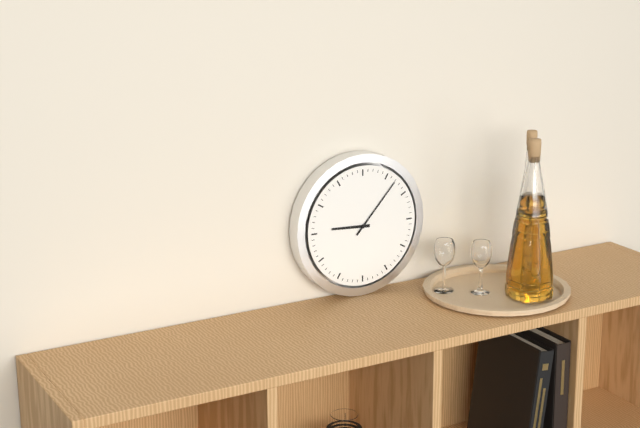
**9:07**
